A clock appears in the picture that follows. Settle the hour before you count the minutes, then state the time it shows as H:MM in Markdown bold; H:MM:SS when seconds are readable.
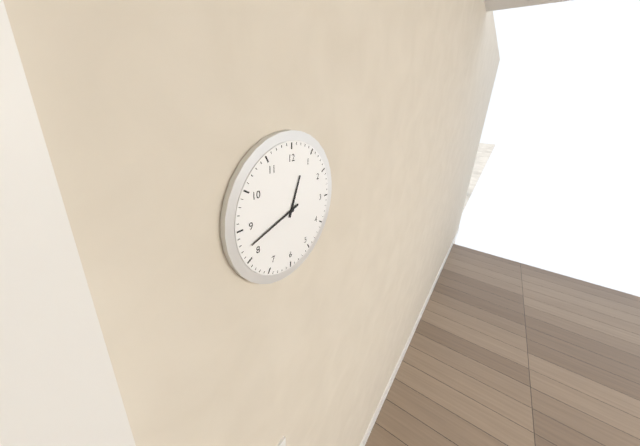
**12:42**
